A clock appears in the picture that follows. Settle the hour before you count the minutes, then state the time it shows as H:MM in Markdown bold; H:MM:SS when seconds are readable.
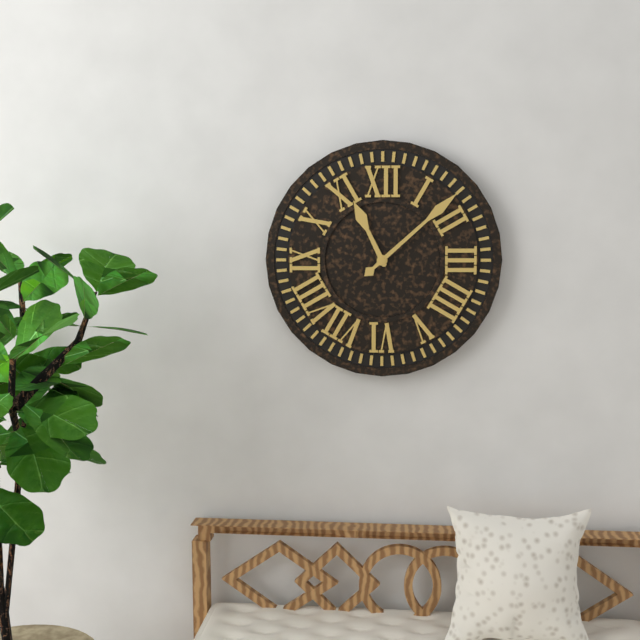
**11:08**
